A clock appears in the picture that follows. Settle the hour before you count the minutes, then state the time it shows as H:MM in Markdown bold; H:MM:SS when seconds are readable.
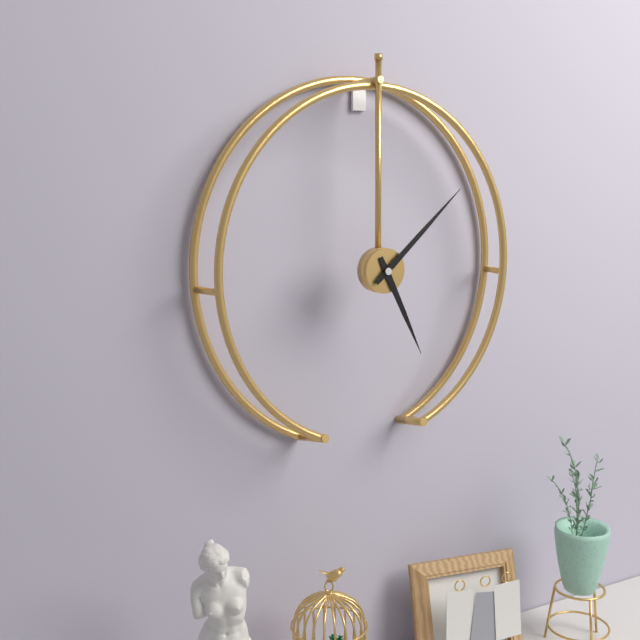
**5:08**
